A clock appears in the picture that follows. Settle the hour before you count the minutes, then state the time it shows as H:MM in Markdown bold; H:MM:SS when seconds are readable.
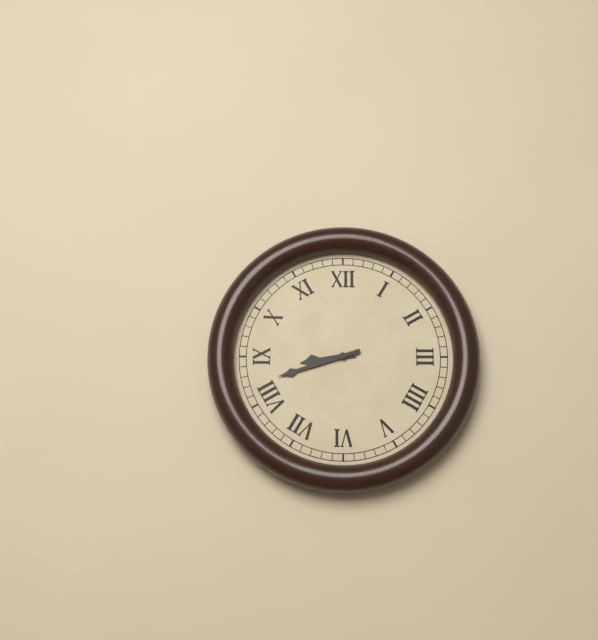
**8:42**
